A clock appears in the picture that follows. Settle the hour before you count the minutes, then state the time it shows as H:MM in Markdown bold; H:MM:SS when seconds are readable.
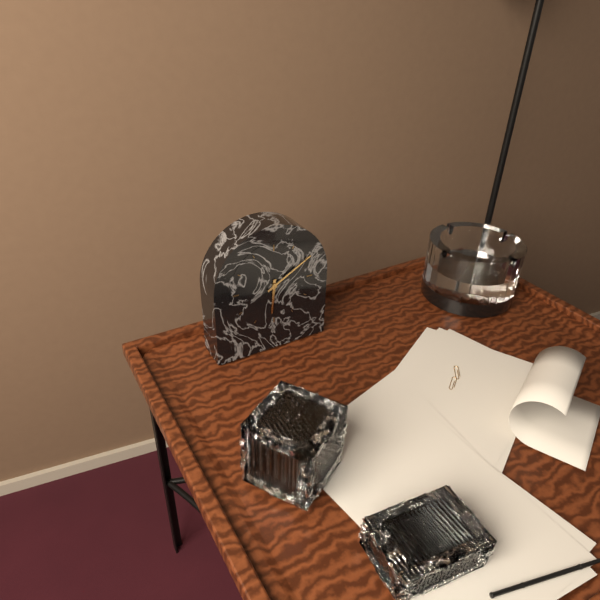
**6:10**
